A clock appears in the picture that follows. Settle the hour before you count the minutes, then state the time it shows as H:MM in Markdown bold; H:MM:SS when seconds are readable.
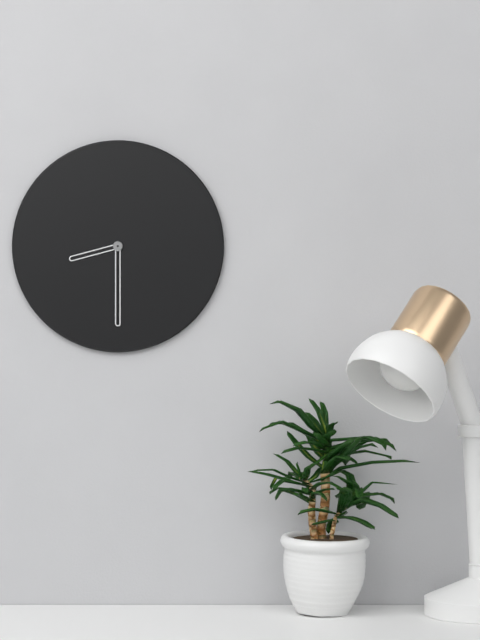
**8:30**
